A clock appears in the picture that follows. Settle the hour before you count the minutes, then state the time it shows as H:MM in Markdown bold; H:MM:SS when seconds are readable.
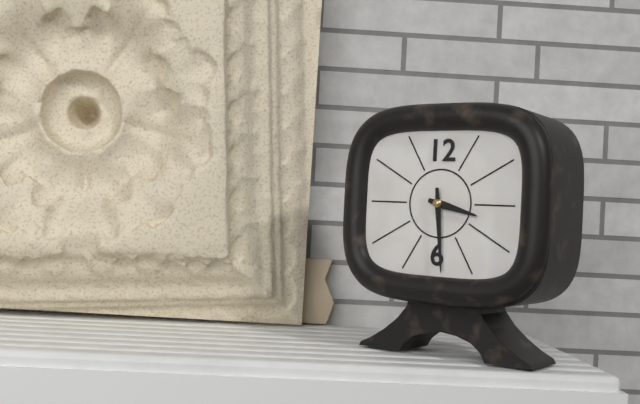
**3:29**
